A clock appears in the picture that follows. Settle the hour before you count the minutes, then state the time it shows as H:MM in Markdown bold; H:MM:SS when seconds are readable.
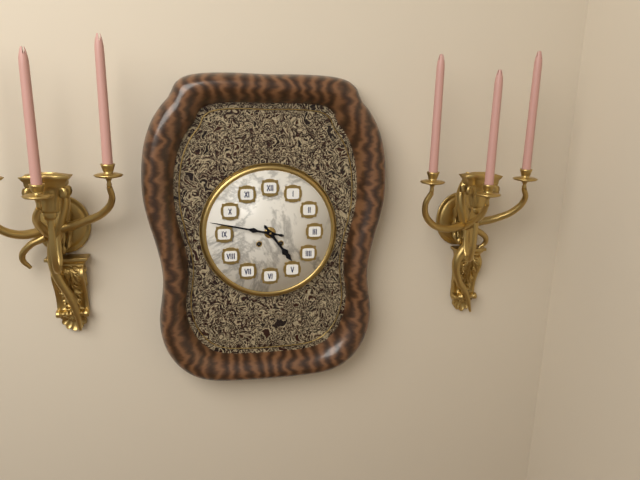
**4:47**
